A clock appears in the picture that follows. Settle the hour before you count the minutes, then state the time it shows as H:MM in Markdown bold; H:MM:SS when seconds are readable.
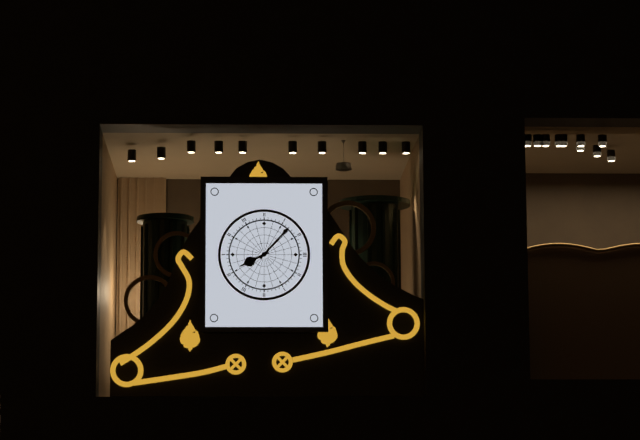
**8:07**
